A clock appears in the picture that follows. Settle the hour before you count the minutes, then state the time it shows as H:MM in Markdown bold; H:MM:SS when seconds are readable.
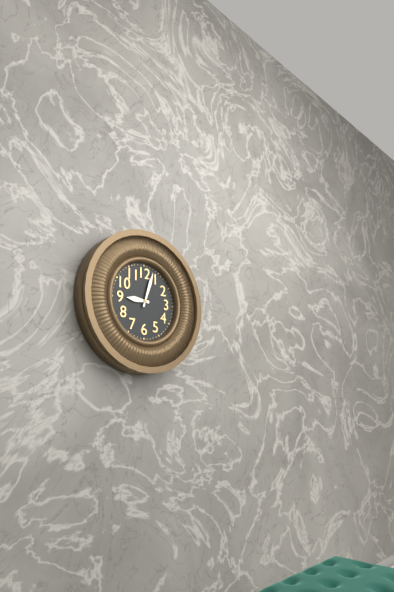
**9:03**
